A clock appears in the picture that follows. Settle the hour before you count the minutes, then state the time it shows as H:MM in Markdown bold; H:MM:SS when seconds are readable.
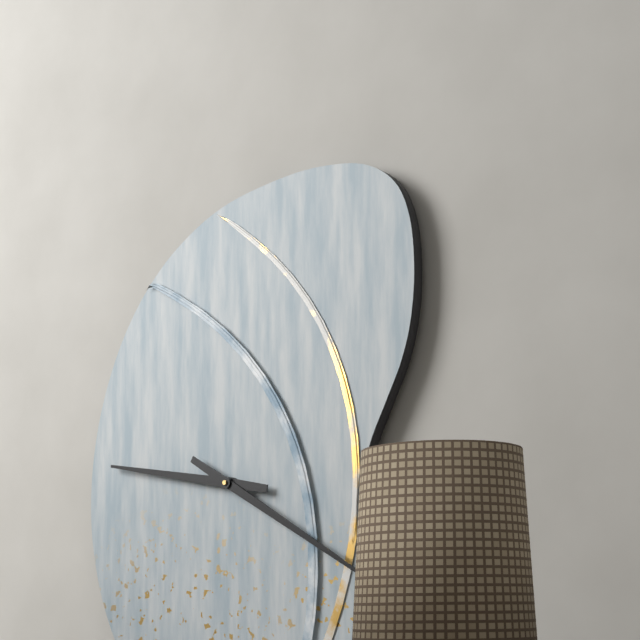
**9:20**
